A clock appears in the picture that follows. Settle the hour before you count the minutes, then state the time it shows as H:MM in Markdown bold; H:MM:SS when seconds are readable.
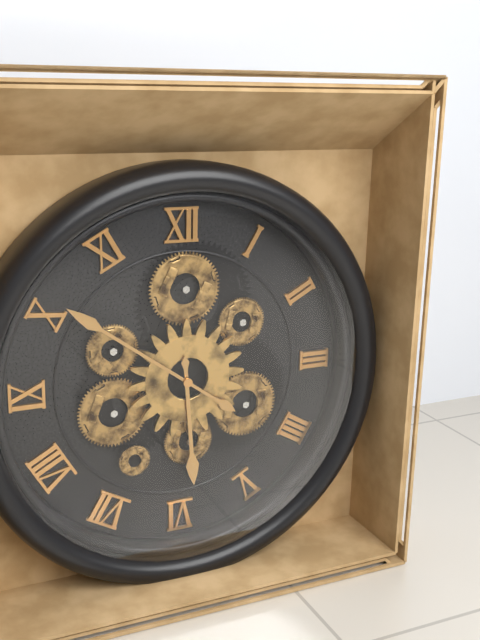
**5:51**
